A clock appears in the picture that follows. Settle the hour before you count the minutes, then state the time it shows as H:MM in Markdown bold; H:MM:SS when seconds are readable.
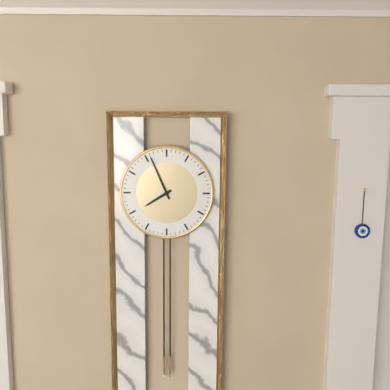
**7:56**
